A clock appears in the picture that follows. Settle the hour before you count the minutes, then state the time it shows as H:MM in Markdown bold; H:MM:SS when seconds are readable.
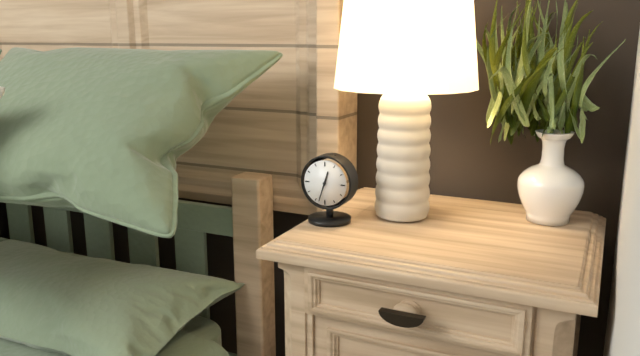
**12:33**
